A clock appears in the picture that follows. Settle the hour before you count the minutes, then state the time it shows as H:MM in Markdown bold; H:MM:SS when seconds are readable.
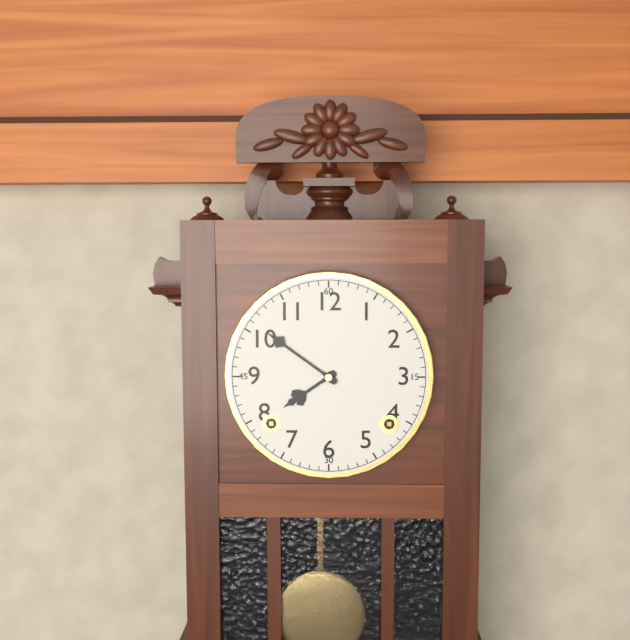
**7:51**
